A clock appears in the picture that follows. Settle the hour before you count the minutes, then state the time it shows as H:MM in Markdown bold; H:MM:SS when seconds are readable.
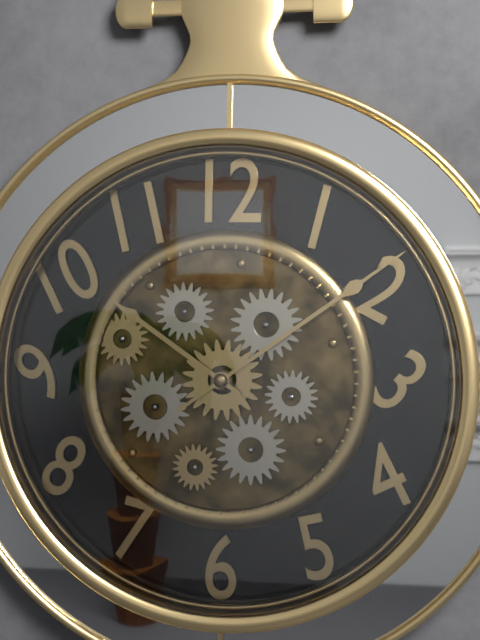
**10:09**
